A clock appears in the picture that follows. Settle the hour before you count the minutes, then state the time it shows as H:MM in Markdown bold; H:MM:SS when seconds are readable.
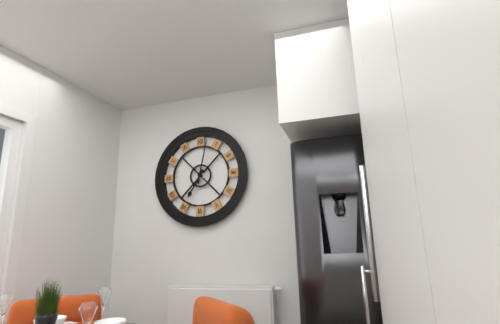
**7:02**
